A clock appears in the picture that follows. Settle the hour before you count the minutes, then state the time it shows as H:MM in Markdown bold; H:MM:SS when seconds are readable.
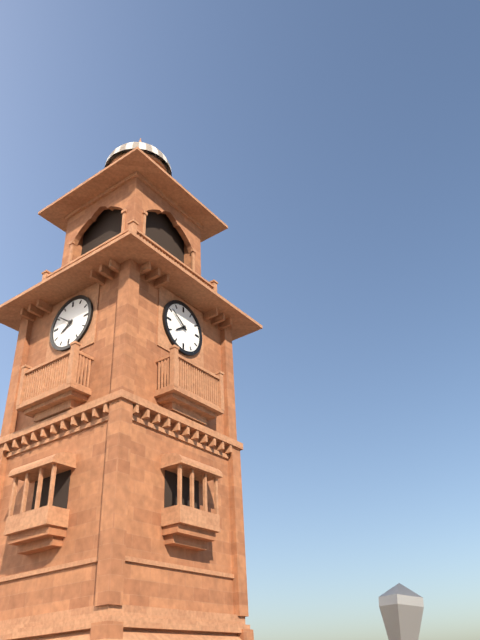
**7:51**
